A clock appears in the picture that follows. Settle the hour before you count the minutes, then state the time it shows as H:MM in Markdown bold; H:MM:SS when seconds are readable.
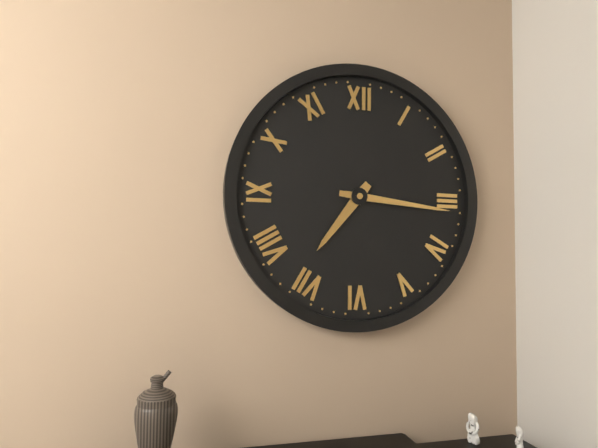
**7:16**
